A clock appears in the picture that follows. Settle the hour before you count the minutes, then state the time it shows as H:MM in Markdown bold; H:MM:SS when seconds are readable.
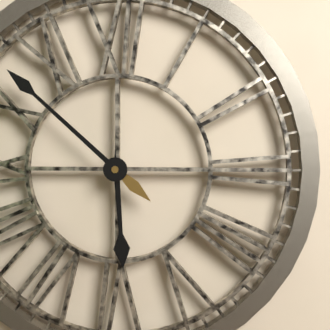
**5:52**
